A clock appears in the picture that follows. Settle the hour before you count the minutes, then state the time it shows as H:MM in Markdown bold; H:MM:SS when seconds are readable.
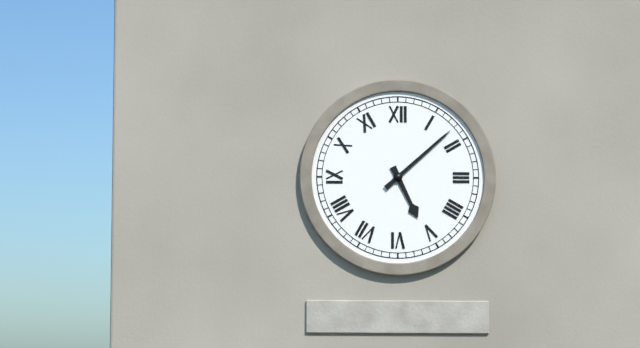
**5:08**
